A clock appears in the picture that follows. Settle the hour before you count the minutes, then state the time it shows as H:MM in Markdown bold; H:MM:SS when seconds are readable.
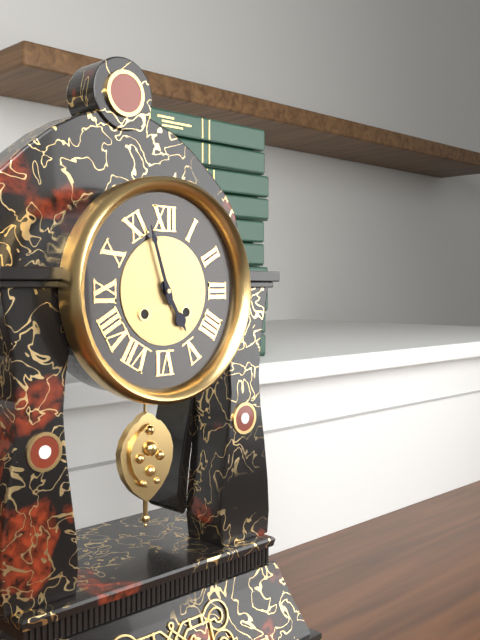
**4:57**
